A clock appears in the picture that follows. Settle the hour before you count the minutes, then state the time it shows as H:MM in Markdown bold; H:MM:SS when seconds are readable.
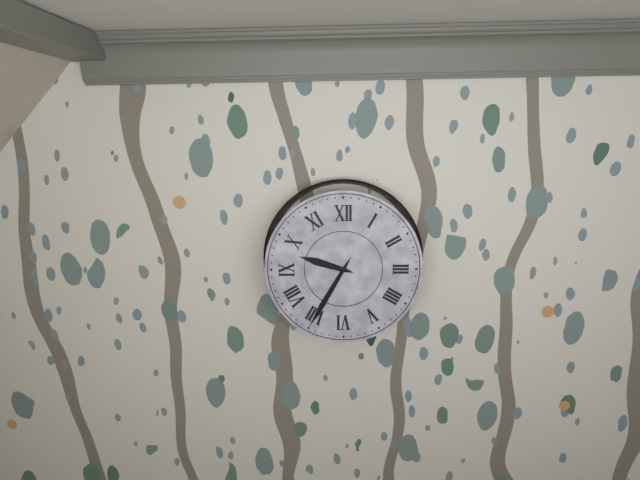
**9:35**
